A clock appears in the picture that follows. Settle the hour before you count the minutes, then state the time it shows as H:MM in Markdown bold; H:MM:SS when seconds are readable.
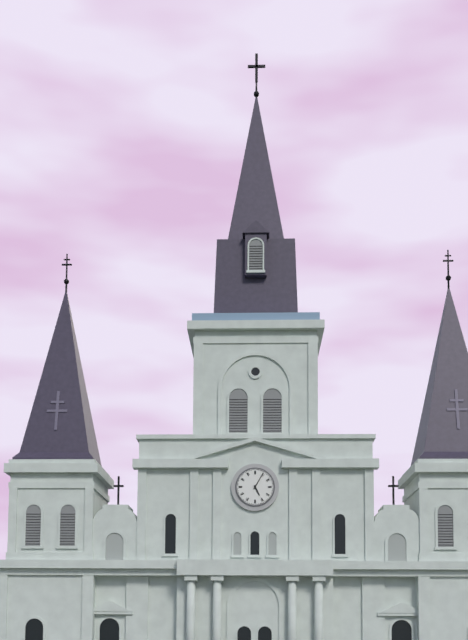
**5:05**
